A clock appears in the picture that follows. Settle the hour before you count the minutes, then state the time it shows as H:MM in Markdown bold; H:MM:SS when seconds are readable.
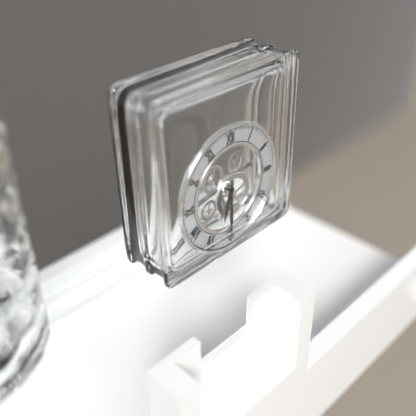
**6:30**
